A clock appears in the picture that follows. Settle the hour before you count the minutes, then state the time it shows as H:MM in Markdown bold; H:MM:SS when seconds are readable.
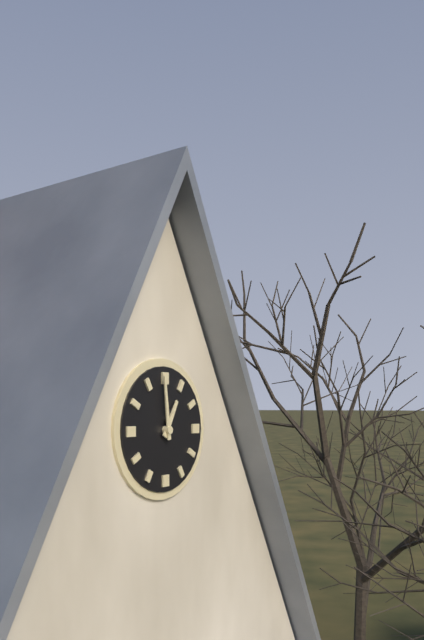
**12:59**
